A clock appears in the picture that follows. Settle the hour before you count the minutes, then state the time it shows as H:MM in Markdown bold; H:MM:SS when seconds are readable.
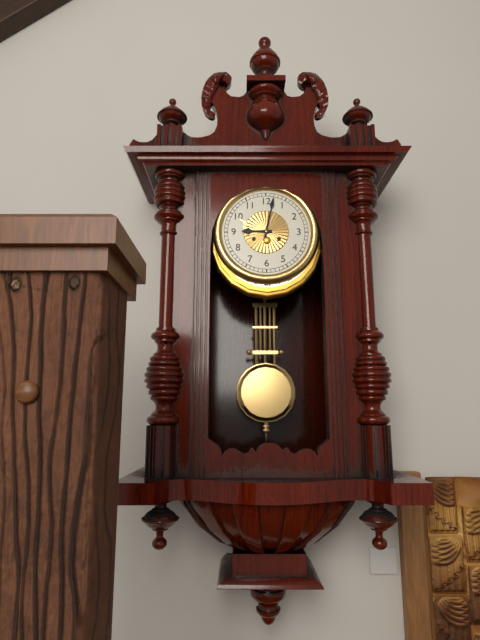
**9:02**
